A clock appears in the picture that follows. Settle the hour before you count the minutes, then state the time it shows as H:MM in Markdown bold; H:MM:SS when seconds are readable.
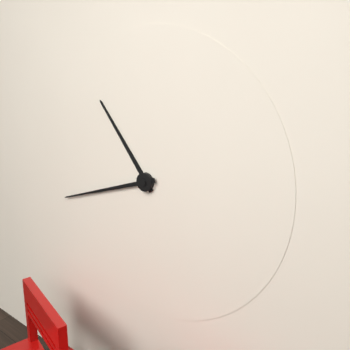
**10:42**
